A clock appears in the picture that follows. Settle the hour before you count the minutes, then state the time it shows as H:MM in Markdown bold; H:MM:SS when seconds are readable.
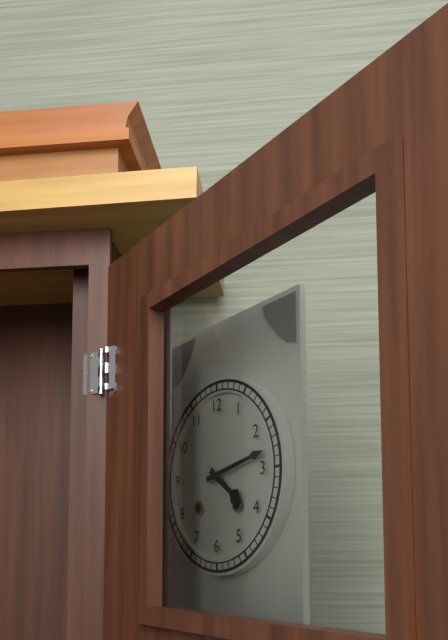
**4:13**
